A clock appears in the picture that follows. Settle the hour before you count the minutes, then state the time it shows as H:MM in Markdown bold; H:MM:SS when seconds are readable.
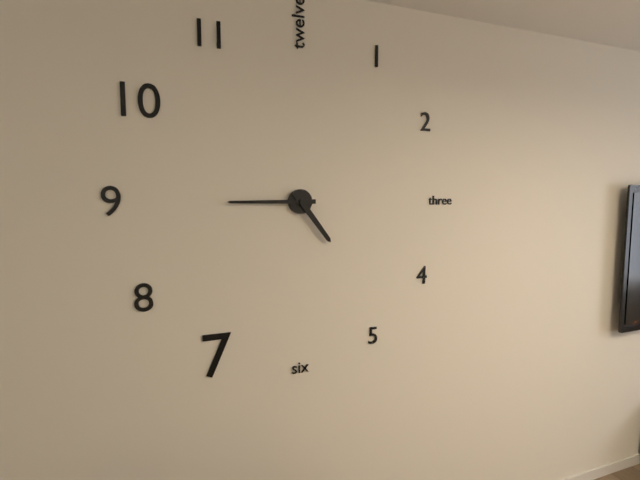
**4:45**
